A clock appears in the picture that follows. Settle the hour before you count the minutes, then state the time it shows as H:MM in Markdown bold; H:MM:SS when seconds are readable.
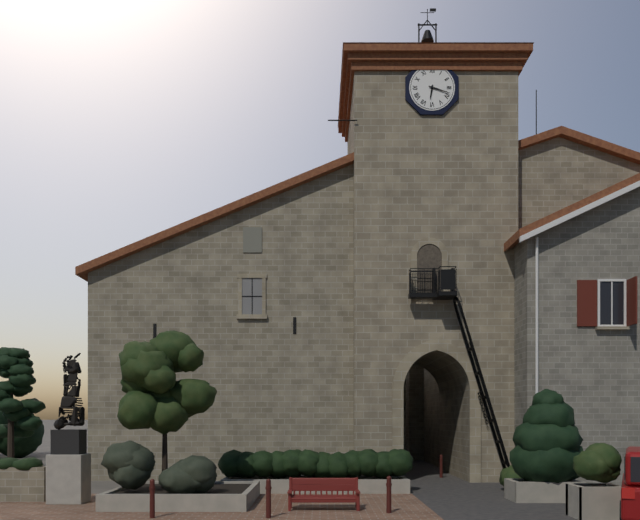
**6:18**
